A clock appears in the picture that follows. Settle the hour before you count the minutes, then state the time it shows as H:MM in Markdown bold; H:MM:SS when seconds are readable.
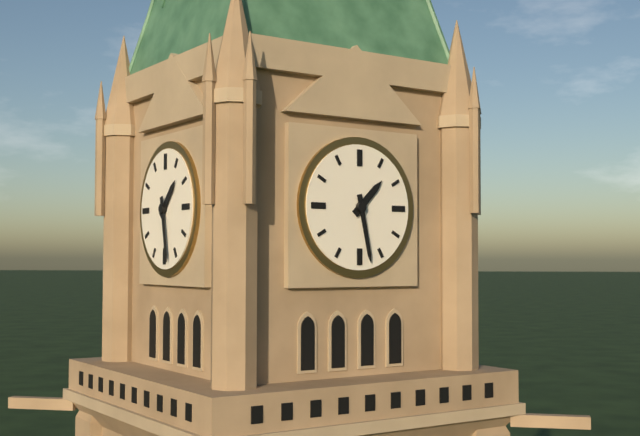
**1:28**
